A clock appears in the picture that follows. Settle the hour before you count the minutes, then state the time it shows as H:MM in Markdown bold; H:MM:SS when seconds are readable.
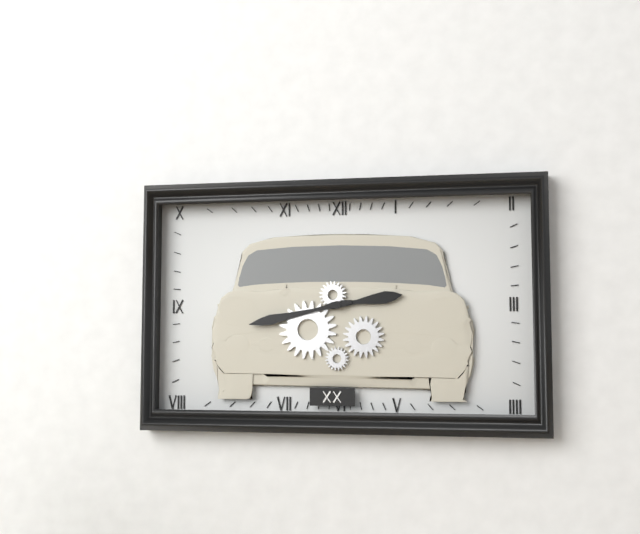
**2:43**
